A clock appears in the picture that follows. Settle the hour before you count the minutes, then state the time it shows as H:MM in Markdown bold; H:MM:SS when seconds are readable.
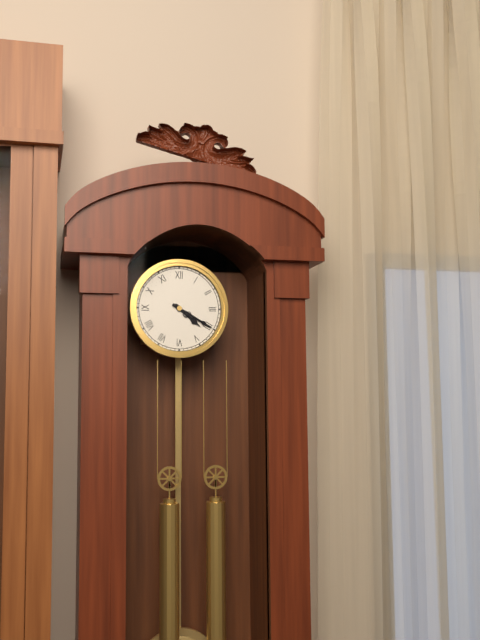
**4:20**
